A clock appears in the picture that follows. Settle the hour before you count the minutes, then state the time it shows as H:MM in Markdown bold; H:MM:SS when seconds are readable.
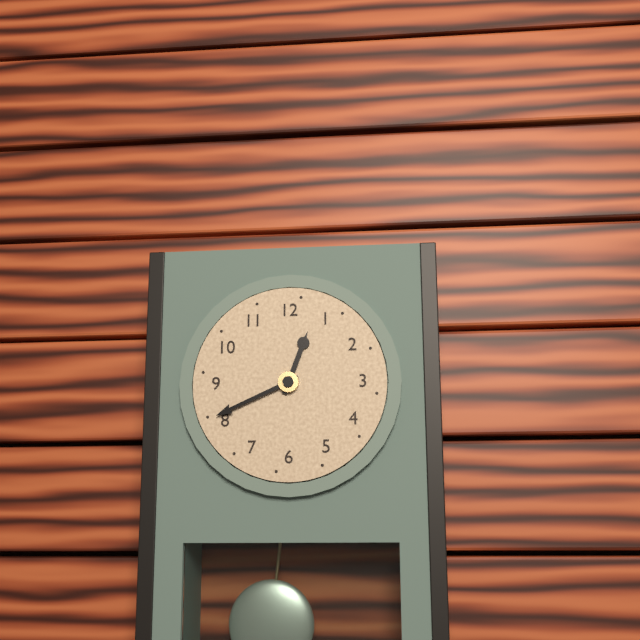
**12:41**
